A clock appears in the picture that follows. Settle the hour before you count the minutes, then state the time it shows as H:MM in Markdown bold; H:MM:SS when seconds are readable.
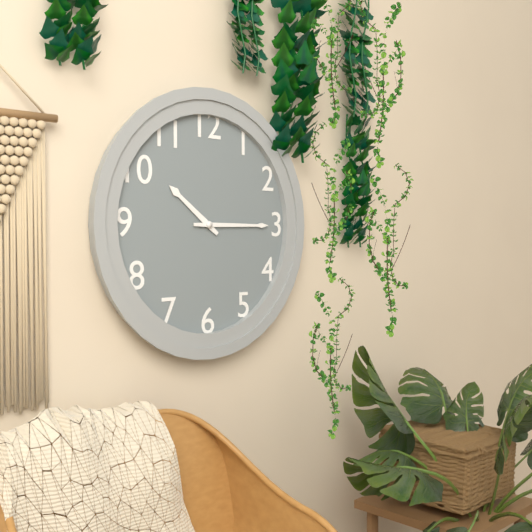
**10:15**
